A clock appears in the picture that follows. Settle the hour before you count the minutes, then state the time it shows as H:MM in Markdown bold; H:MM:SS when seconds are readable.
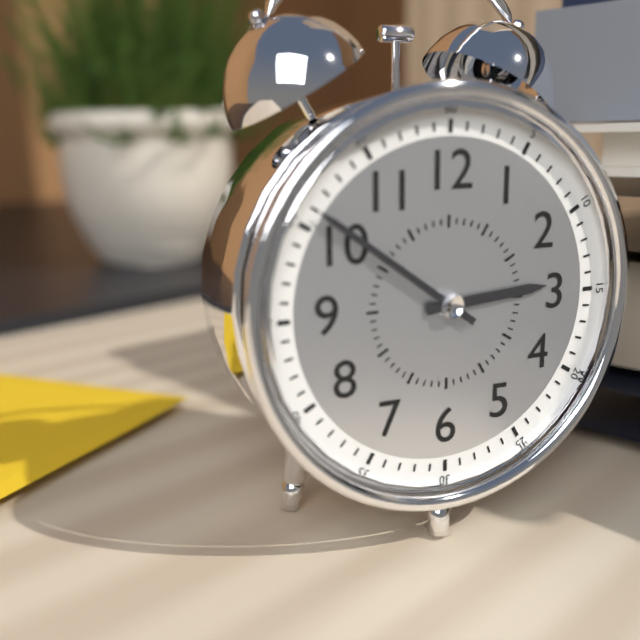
**2:51**
